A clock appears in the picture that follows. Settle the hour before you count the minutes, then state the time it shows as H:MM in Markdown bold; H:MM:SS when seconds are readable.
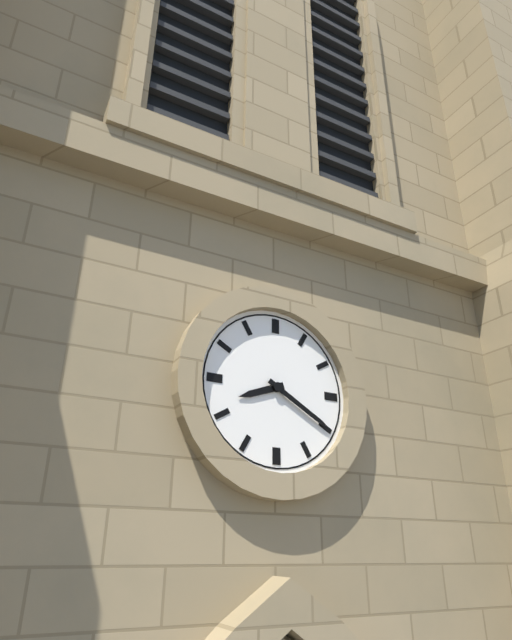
**8:20**
